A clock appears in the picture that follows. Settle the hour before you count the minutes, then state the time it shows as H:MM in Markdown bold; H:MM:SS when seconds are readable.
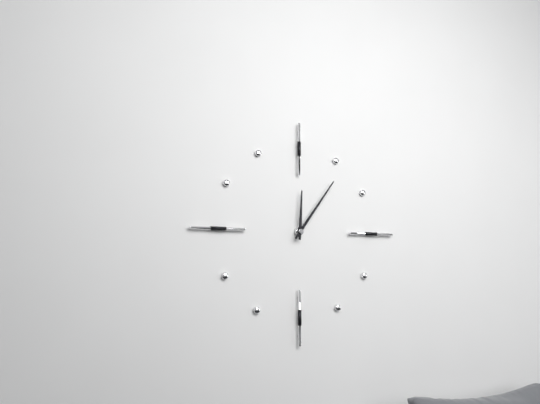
**12:06**
